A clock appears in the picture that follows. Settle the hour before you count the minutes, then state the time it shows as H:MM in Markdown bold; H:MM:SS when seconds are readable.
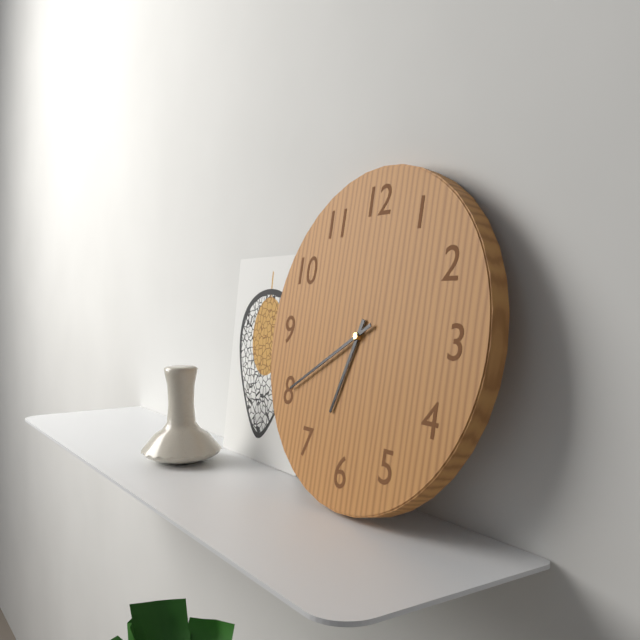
**6:40**
